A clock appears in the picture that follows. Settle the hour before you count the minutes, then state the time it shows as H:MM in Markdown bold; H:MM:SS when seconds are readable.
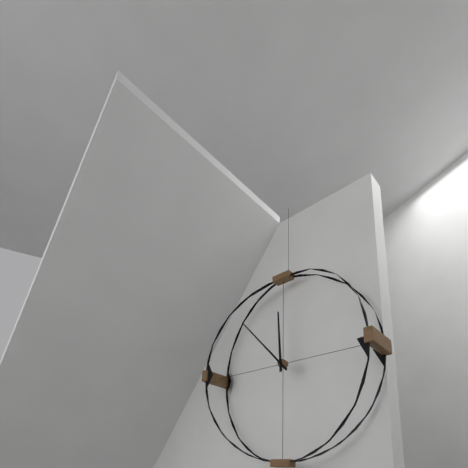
**11:53**
